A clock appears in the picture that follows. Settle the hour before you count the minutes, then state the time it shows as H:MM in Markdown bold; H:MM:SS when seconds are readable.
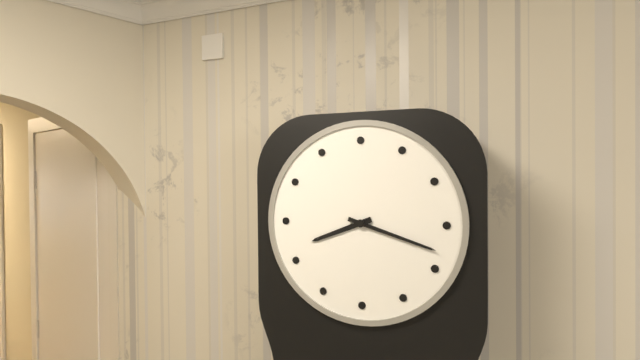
**8:18**
